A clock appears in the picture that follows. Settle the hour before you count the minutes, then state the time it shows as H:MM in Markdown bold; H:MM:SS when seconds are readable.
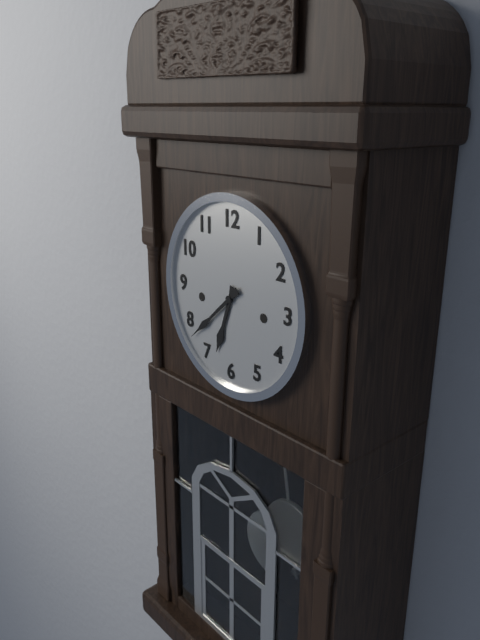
**6:38**
